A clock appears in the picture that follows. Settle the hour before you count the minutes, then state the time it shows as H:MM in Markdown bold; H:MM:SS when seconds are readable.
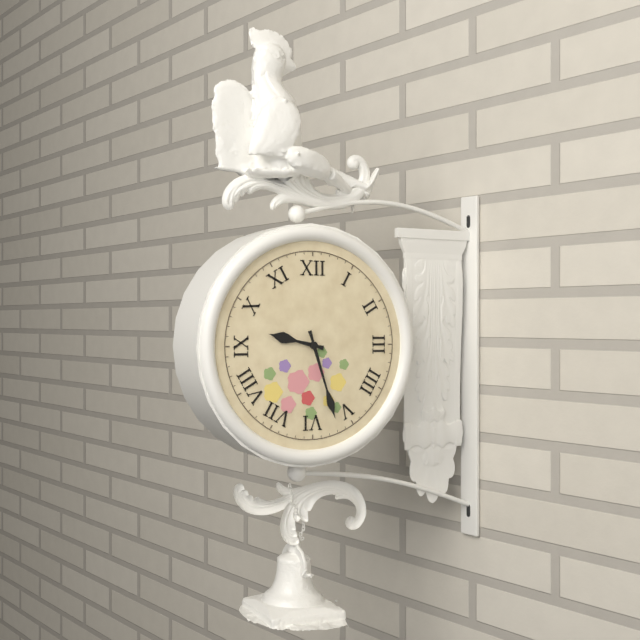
**9:27**
